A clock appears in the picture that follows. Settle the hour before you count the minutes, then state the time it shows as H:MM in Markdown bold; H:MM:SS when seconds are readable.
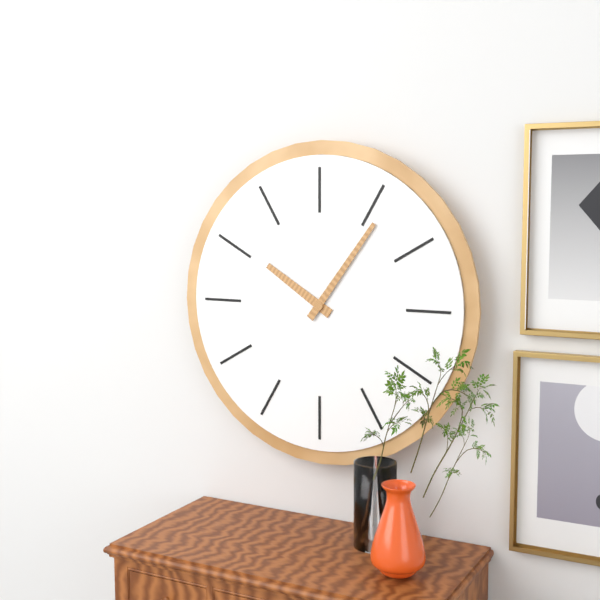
**10:06**
